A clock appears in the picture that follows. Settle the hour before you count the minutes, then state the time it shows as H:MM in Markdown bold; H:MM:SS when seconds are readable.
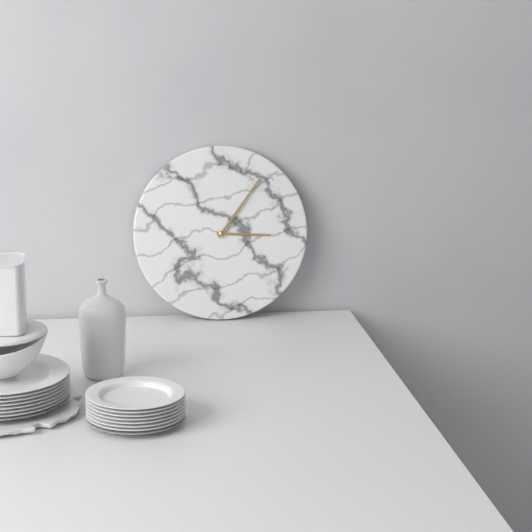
**3:06**
